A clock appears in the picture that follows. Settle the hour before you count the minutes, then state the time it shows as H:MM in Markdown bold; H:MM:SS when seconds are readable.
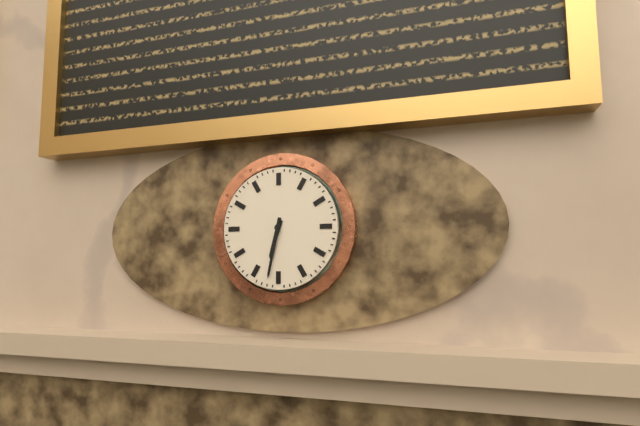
**6:32**
